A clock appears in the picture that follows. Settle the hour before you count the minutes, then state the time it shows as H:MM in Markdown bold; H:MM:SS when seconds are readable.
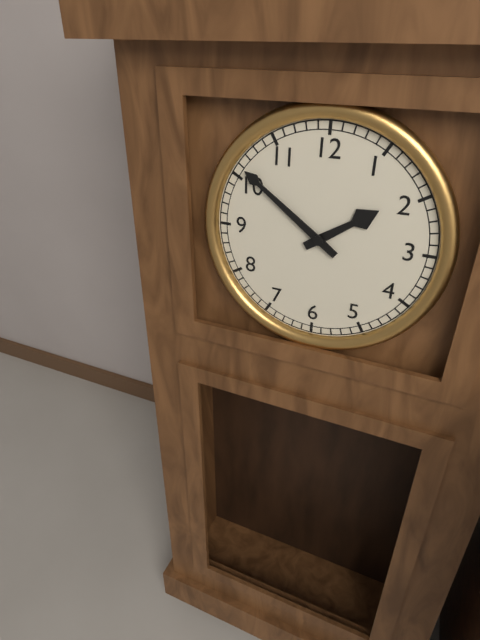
**1:51**
